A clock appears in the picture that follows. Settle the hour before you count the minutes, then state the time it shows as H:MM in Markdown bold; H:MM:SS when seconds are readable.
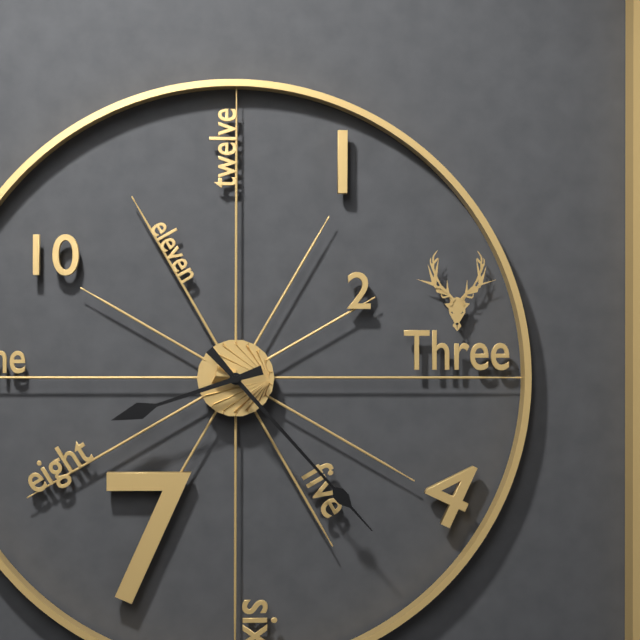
**8:23**
